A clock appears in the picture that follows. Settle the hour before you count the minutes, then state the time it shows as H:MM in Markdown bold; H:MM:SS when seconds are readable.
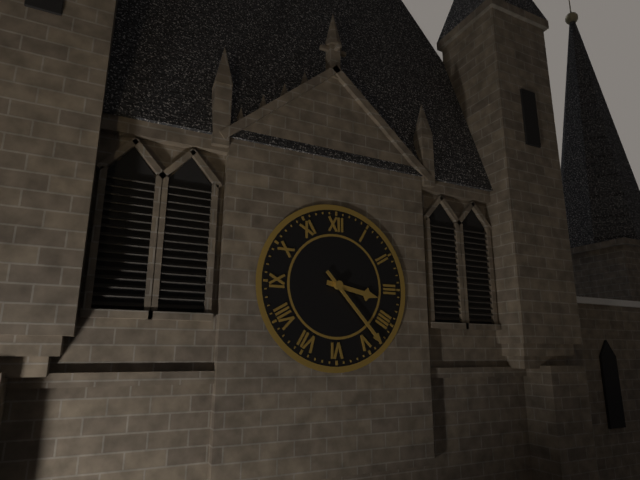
**3:23**
